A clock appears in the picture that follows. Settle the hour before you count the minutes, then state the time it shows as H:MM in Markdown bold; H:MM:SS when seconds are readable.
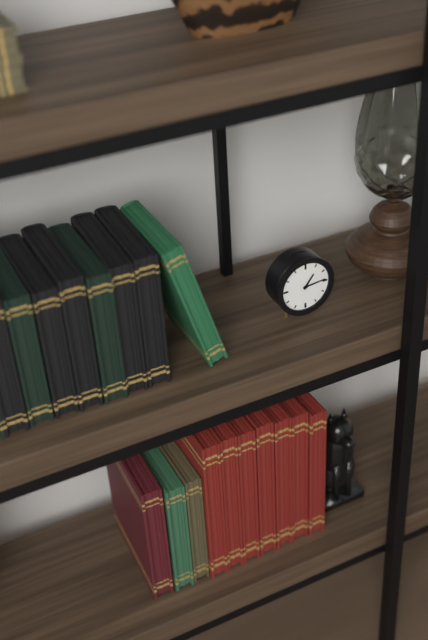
**1:14**
